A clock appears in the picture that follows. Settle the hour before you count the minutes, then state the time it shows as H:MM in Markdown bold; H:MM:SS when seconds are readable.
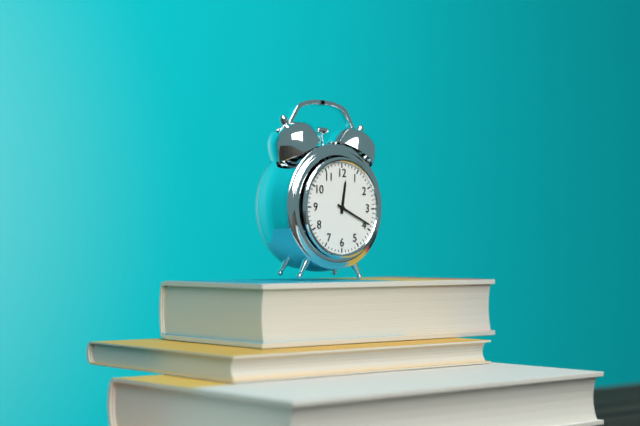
**12:19**
